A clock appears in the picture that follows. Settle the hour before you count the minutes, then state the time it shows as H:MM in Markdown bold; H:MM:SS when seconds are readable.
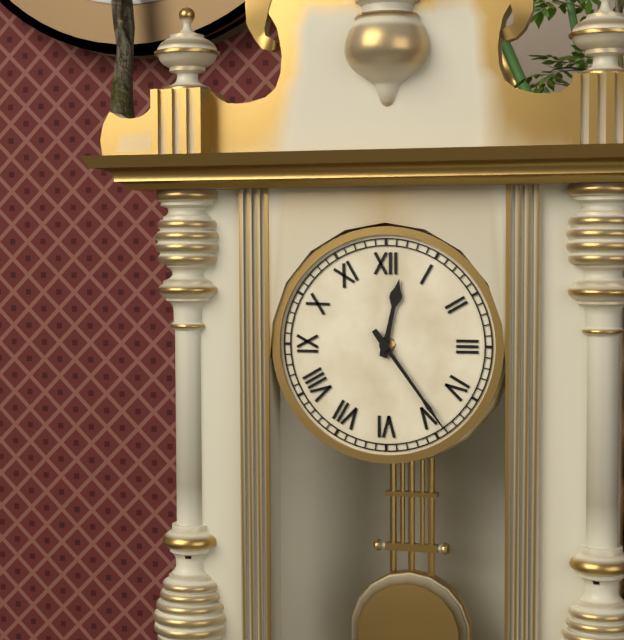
**12:24**
